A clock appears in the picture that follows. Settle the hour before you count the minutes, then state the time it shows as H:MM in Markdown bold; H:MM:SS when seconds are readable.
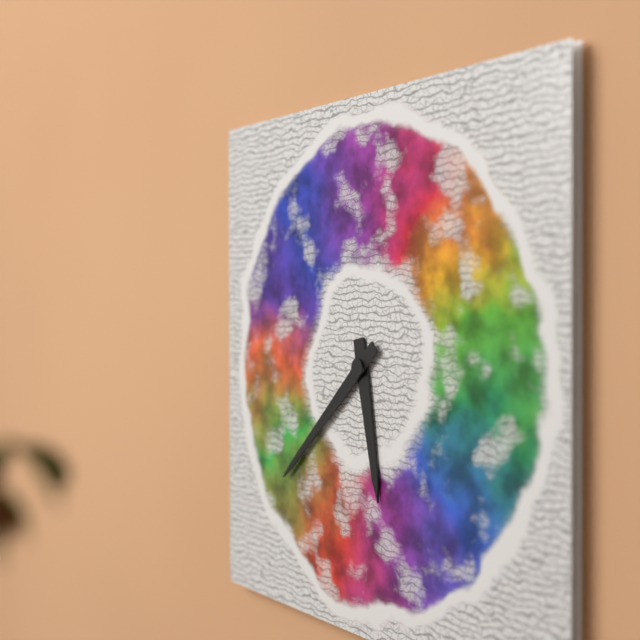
**5:38**
